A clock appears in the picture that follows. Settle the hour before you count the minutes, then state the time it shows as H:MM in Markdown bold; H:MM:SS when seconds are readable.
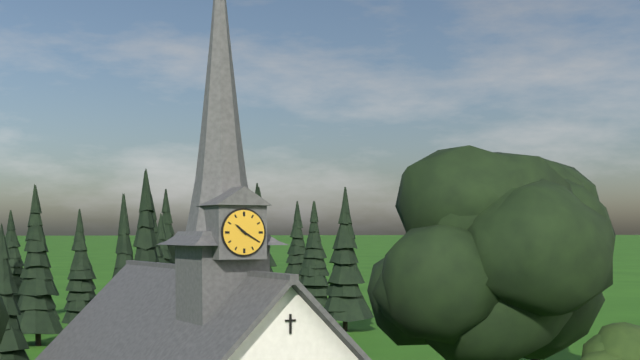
**10:20**
